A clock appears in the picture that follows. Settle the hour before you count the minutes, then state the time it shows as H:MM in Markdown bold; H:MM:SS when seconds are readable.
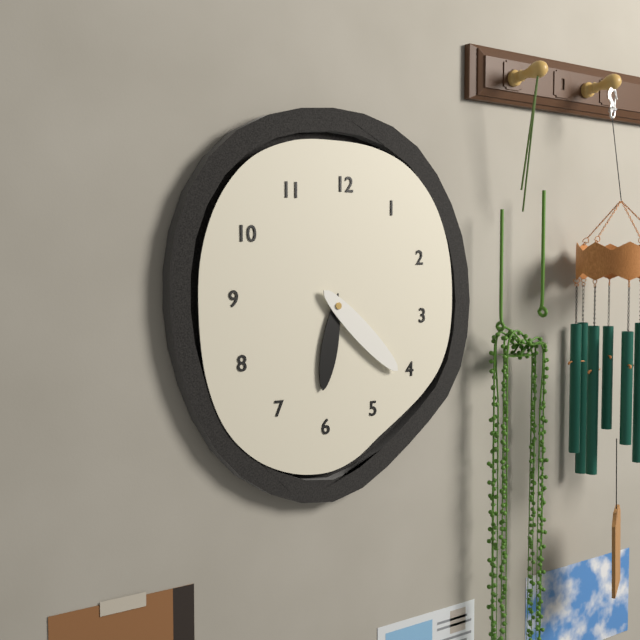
**6:22**
